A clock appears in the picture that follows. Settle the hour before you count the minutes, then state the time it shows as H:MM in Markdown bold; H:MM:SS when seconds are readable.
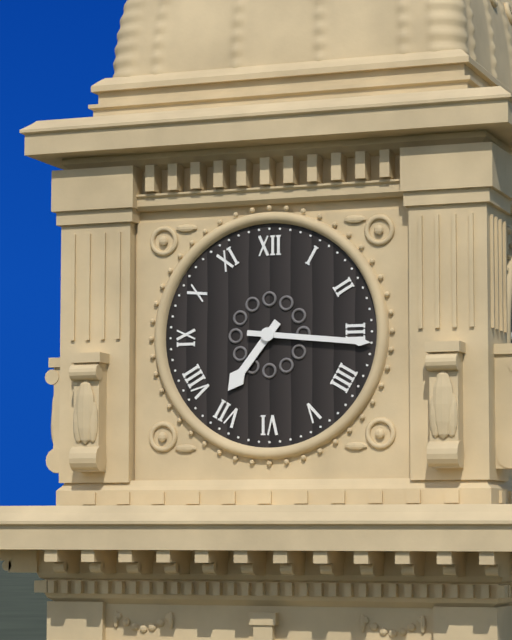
**7:16**
